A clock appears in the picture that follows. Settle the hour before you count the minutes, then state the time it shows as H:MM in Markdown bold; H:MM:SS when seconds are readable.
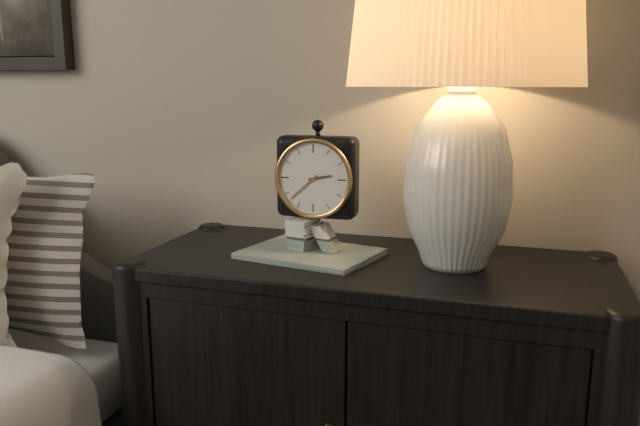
**2:38**
